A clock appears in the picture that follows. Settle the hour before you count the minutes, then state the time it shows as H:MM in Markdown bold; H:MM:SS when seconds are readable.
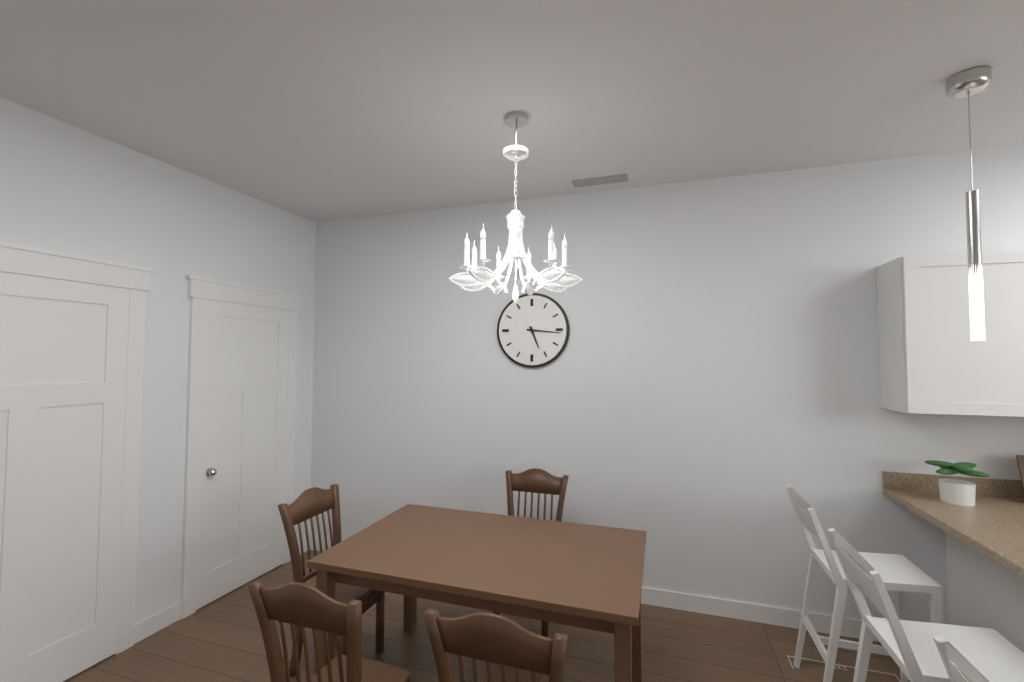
**5:16**
